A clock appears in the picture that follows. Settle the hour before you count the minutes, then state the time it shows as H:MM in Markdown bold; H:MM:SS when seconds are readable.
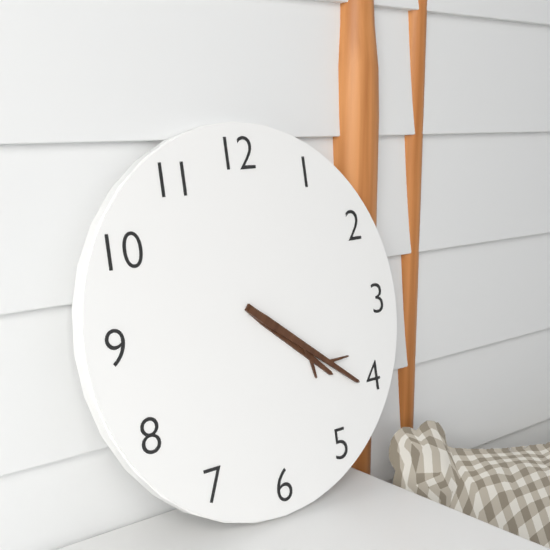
**4:21**
